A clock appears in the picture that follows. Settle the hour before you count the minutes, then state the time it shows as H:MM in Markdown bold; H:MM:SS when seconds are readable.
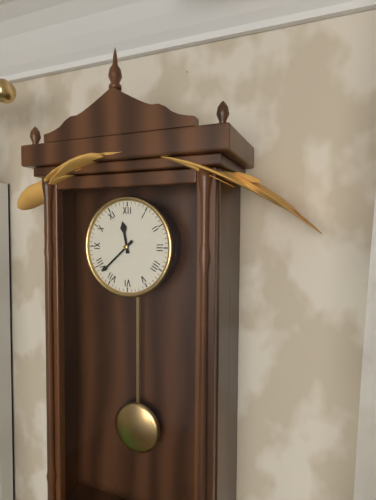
**11:38**
